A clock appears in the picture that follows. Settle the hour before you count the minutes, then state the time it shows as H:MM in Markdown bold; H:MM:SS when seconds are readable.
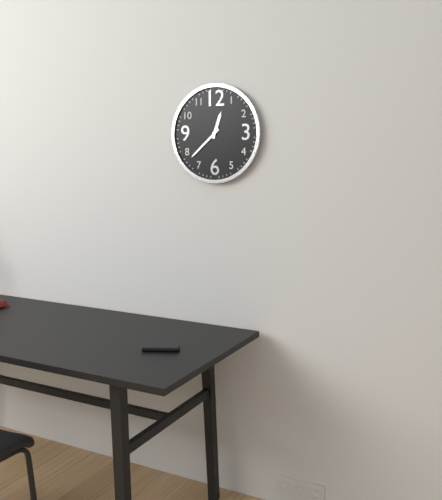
**12:38**
